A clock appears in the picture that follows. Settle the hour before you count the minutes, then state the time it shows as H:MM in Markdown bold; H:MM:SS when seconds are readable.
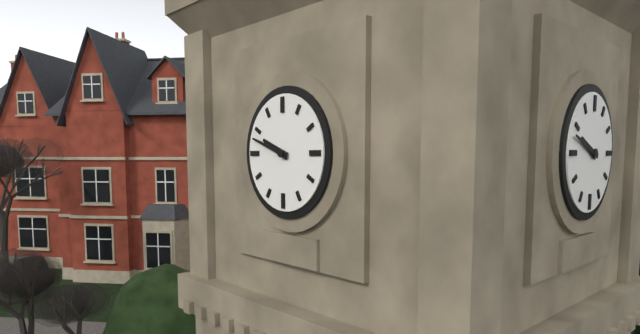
**9:48**
